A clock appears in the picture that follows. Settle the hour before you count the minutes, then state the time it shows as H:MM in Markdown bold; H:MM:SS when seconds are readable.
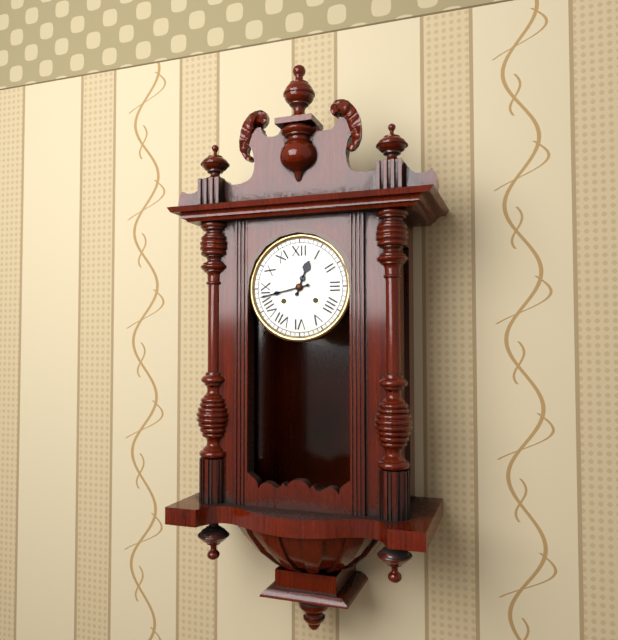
**12:43**
